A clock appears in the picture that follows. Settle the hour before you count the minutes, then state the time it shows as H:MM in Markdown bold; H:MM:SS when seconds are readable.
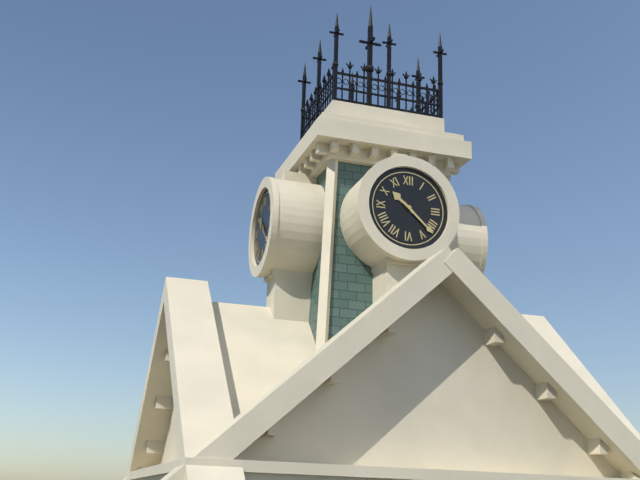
**10:22**
